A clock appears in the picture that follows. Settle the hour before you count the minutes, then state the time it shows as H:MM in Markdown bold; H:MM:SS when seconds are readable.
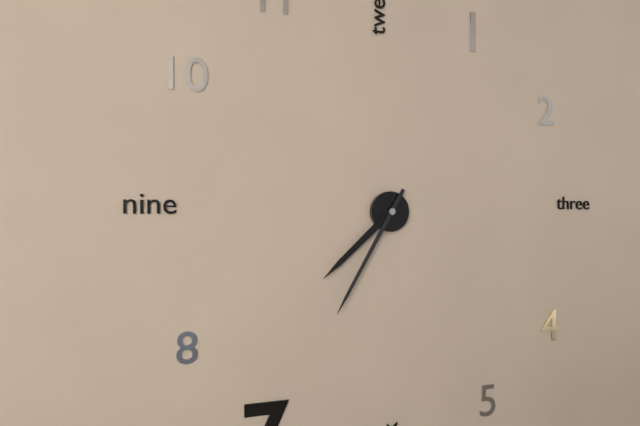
**7:35**
